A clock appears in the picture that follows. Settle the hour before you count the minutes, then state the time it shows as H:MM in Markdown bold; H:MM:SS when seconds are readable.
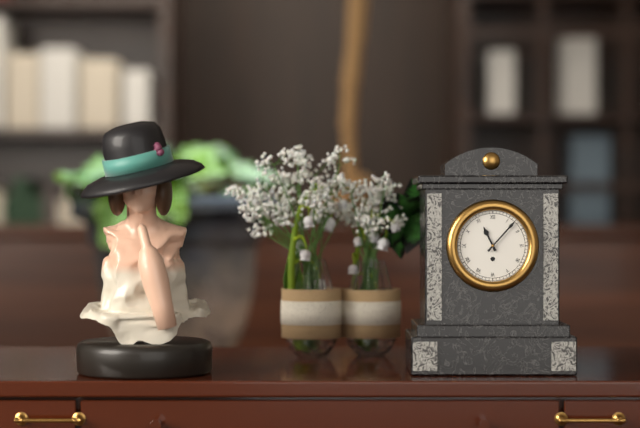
**11:07**
